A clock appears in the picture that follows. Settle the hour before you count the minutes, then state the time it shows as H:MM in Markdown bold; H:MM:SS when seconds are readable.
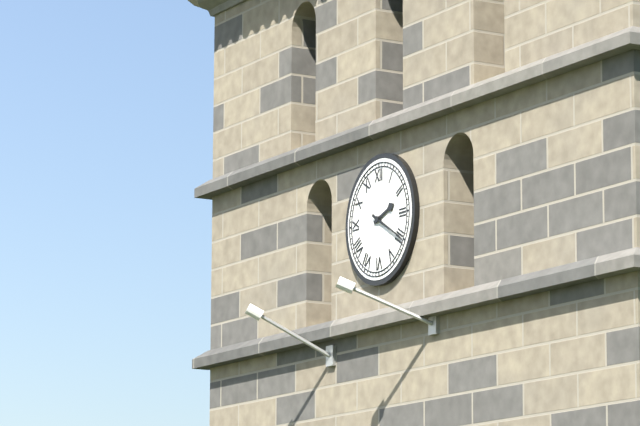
**2:20**
